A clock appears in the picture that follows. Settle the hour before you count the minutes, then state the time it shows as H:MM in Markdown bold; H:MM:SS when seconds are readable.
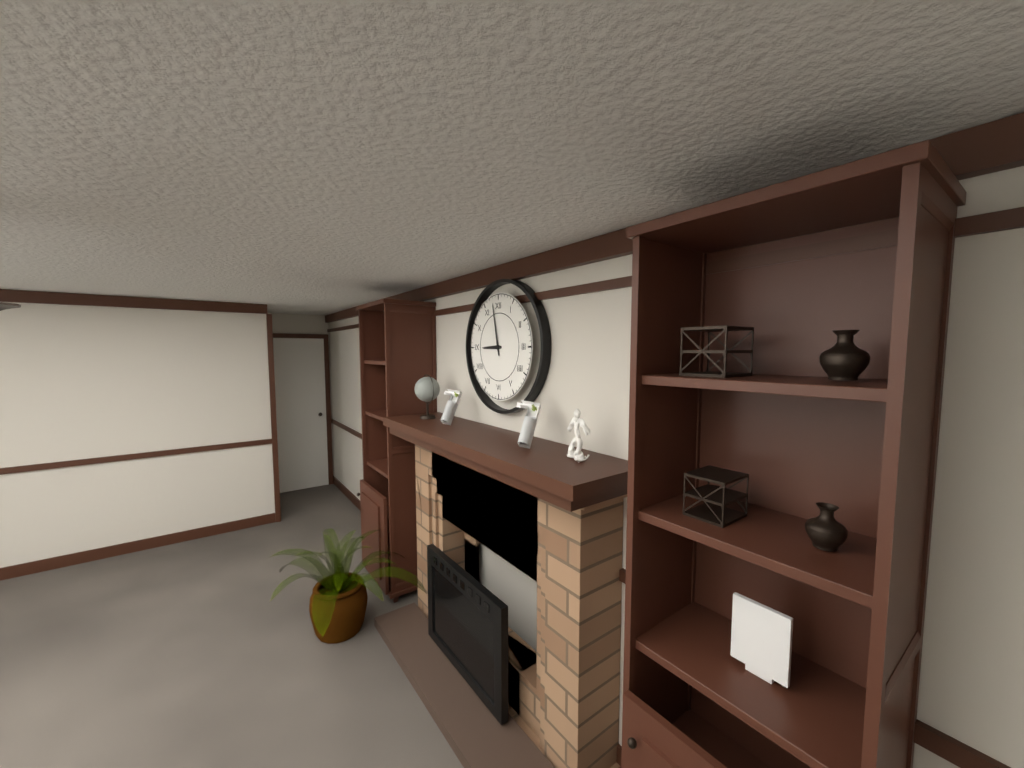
**8:58**
